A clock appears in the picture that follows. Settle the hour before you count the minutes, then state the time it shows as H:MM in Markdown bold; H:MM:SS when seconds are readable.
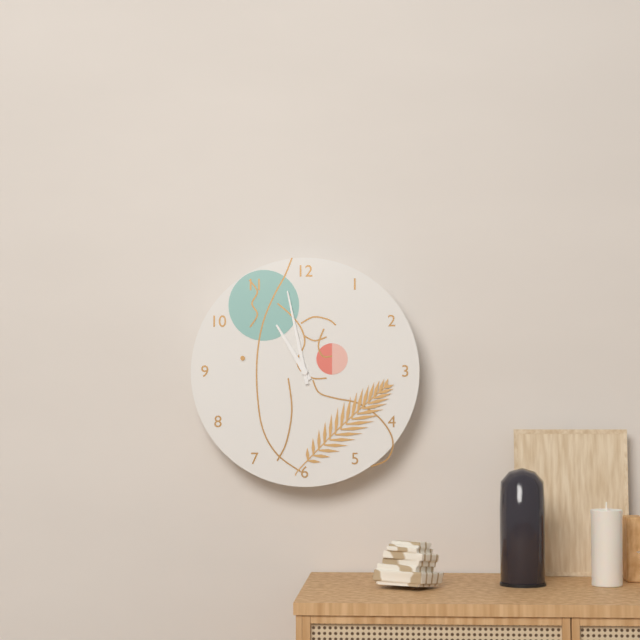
**10:58**
